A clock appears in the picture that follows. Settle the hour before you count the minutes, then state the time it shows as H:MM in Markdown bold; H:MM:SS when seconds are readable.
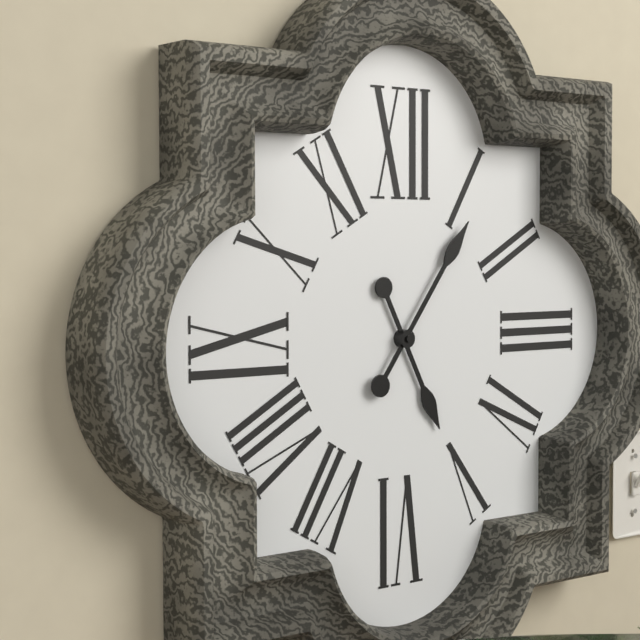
**5:06**
